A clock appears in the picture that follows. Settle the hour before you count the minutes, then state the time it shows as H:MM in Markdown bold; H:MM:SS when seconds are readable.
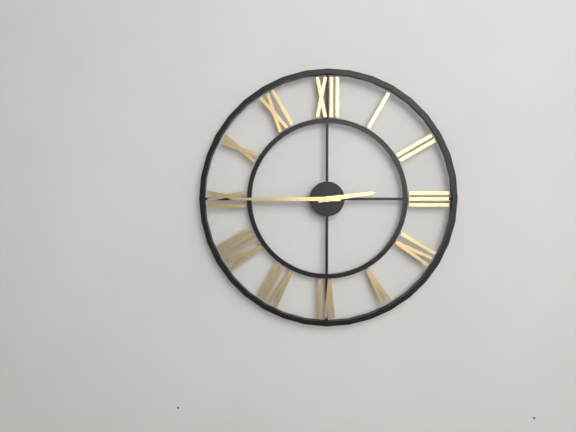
**2:45**
